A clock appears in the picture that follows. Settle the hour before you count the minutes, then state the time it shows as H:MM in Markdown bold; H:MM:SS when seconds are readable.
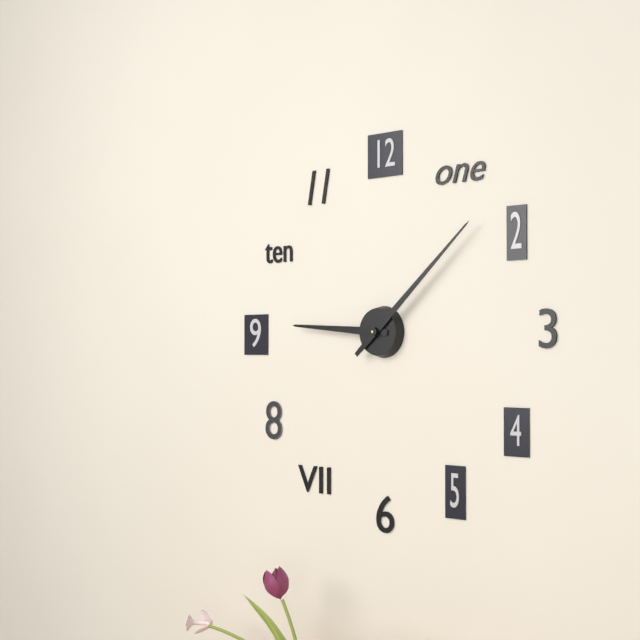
**9:08**
